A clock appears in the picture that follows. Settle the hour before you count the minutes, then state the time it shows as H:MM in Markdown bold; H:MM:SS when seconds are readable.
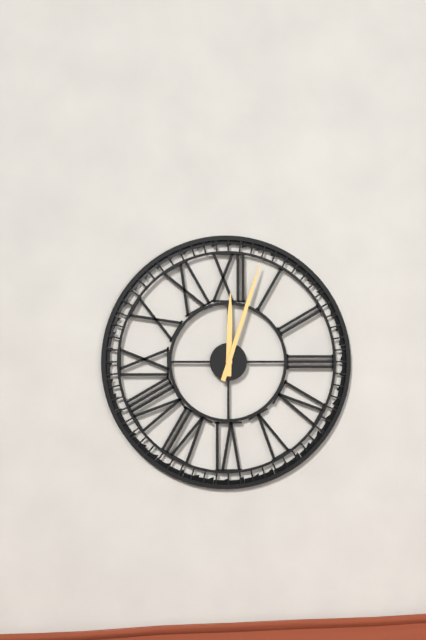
**12:03**
